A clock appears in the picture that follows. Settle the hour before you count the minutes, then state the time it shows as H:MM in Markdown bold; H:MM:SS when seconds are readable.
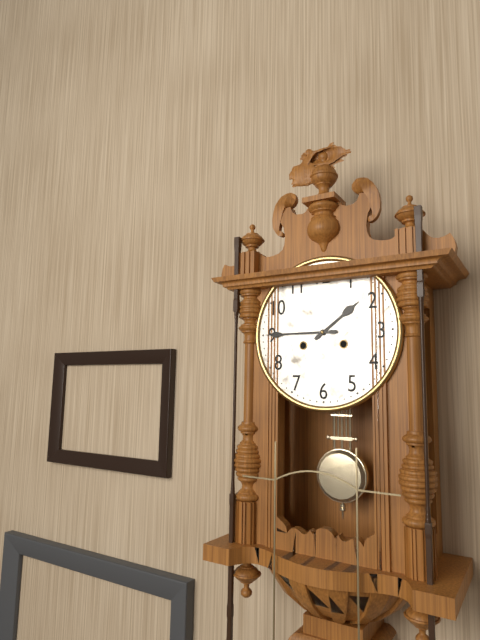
**1:45**
